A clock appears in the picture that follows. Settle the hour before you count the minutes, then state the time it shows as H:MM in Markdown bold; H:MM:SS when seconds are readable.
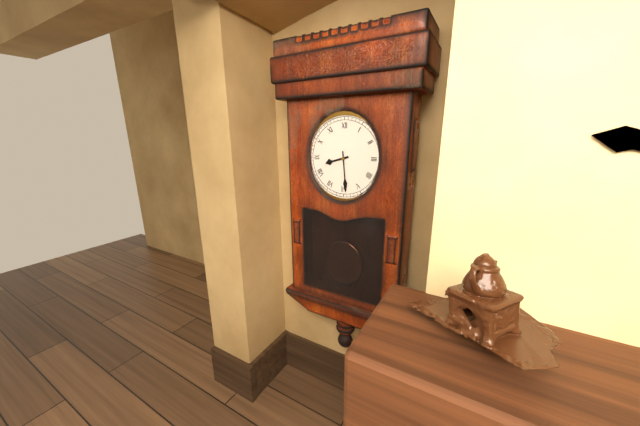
**8:29**
